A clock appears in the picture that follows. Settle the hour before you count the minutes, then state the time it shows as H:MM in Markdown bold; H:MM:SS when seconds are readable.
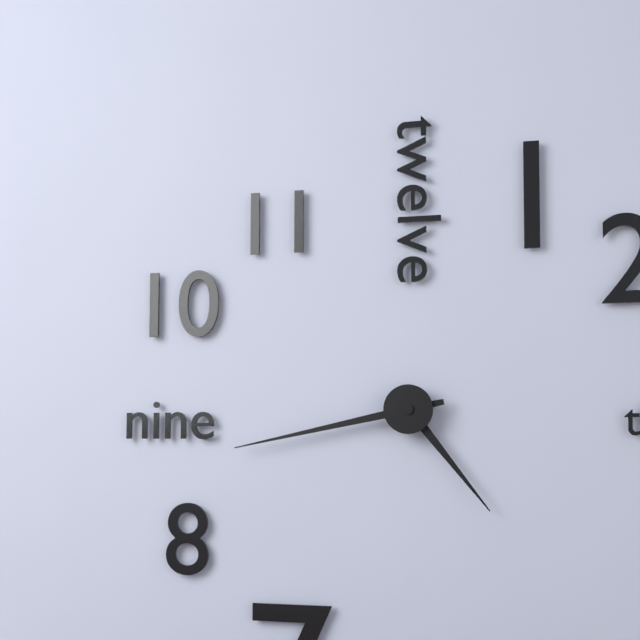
**4:43**
